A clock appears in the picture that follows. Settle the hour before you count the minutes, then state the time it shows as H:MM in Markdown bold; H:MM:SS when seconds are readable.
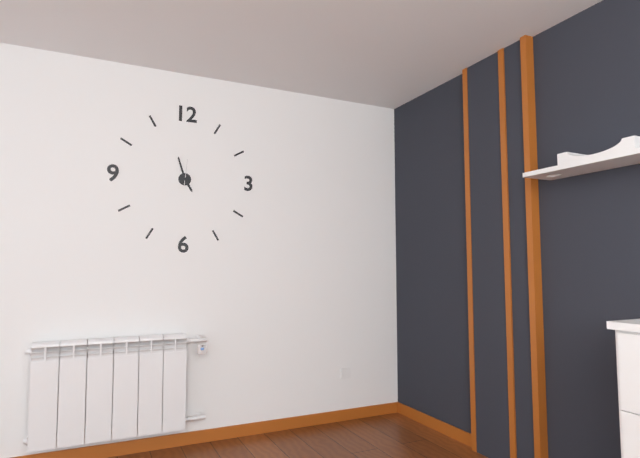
**4:57**
